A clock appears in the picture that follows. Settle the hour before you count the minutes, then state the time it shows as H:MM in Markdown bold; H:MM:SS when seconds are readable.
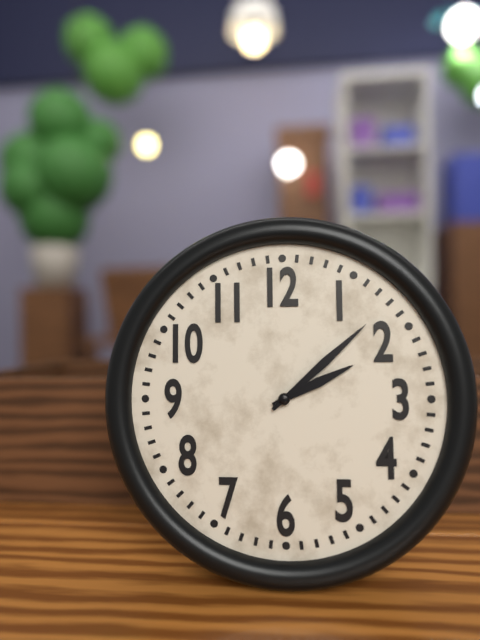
**2:08**
